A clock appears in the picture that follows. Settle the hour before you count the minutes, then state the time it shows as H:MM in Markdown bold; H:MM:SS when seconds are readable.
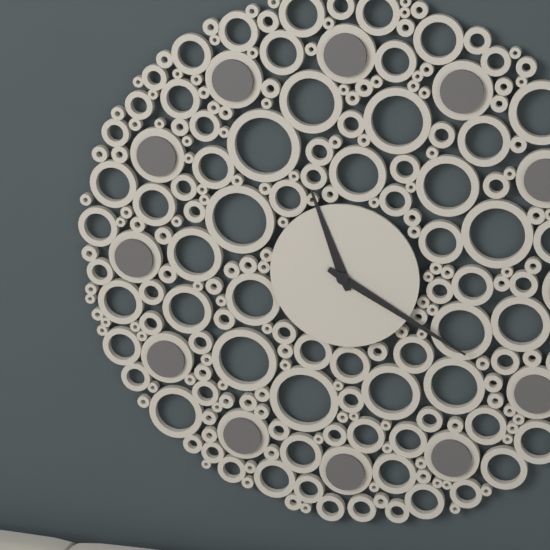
**11:20**
